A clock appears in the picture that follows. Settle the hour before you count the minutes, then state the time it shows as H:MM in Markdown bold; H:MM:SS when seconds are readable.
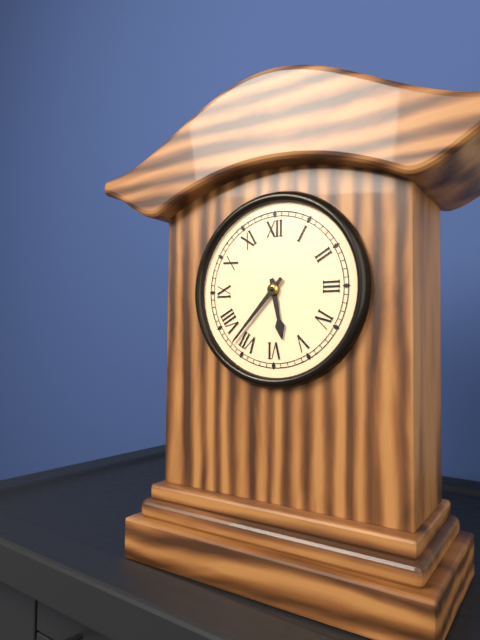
**5:37**
